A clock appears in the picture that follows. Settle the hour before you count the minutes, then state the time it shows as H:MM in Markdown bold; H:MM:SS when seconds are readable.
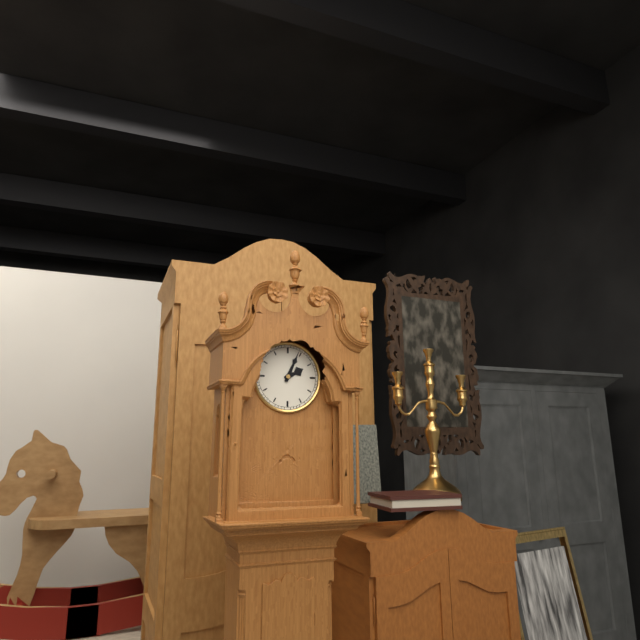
**2:04**
